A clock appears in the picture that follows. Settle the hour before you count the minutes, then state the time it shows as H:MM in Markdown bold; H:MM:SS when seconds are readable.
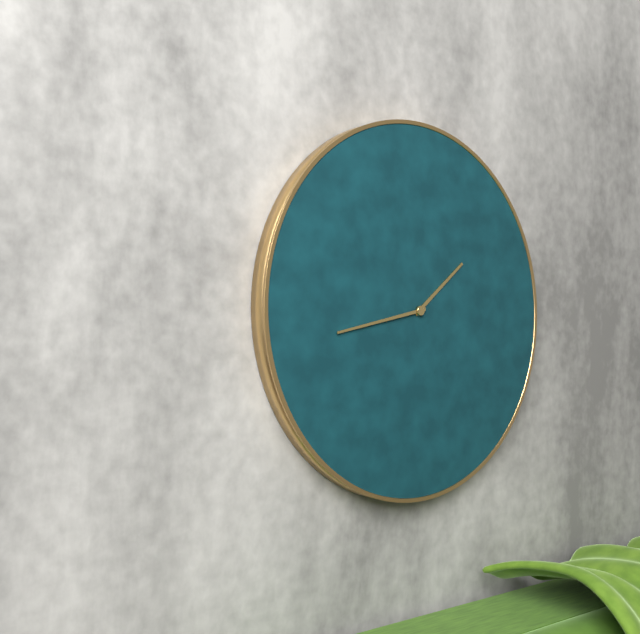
**1:43**
